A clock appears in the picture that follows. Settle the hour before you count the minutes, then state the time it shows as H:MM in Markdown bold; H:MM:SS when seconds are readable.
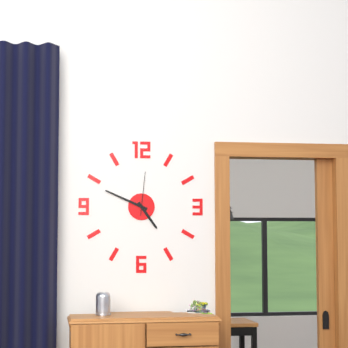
**4:49**
